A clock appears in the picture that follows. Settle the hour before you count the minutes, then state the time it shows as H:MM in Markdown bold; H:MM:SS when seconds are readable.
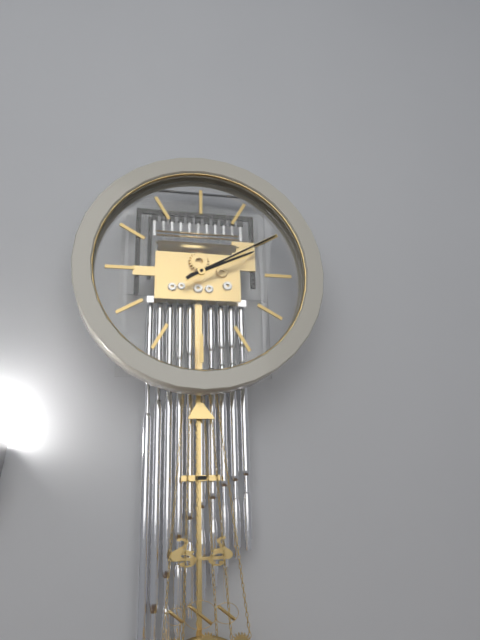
**2:10**
